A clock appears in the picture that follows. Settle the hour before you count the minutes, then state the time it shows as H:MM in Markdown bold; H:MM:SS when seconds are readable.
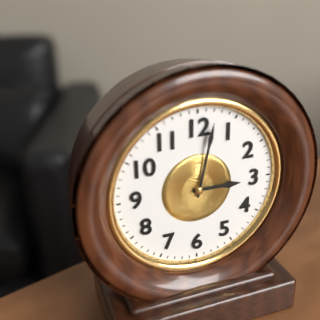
**3:02**
